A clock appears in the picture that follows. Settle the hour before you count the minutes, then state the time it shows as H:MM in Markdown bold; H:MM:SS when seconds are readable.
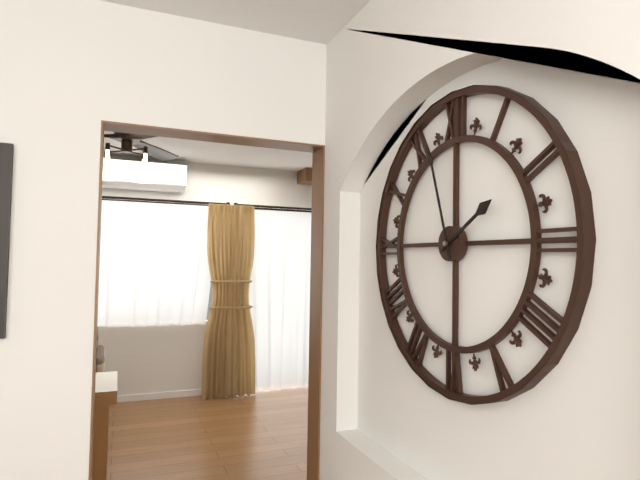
**1:57**
